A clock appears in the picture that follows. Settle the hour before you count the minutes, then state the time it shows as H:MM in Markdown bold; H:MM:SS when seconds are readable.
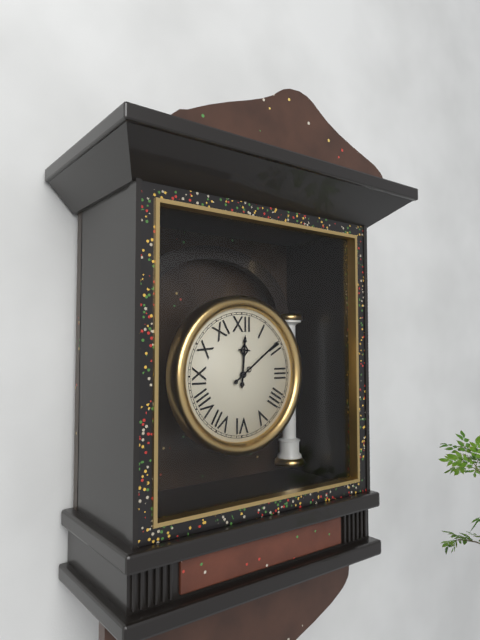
**12:09**
